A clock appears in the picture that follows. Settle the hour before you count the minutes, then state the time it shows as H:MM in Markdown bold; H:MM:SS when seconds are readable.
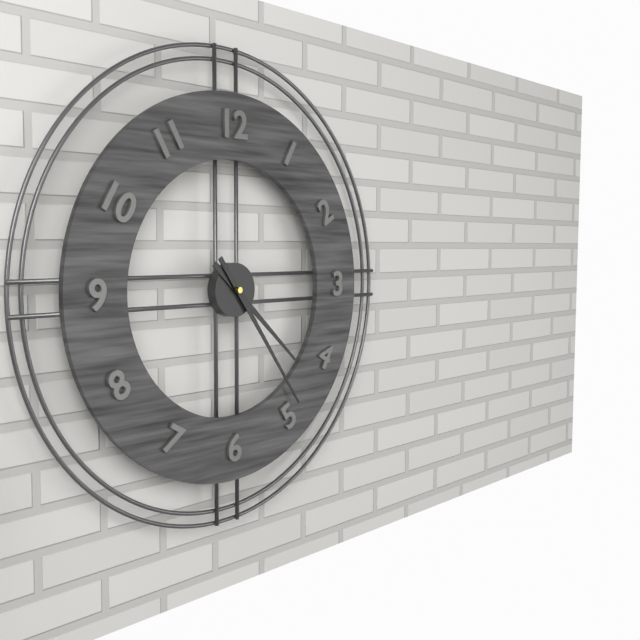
**4:24**
